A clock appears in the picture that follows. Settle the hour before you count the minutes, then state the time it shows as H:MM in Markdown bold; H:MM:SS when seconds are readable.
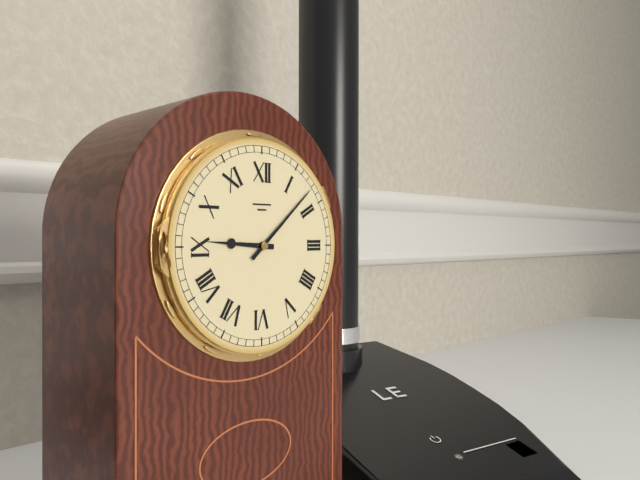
**9:08**
